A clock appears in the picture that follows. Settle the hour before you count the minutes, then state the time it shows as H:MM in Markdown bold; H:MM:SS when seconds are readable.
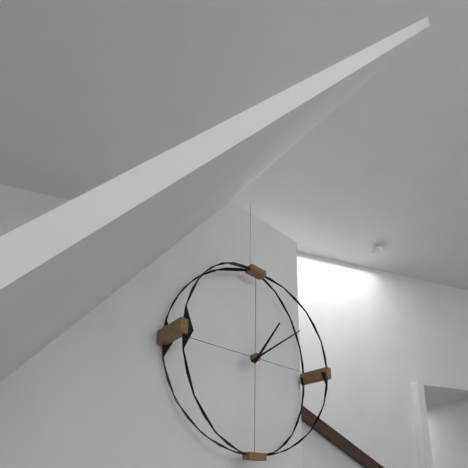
**1:09**
